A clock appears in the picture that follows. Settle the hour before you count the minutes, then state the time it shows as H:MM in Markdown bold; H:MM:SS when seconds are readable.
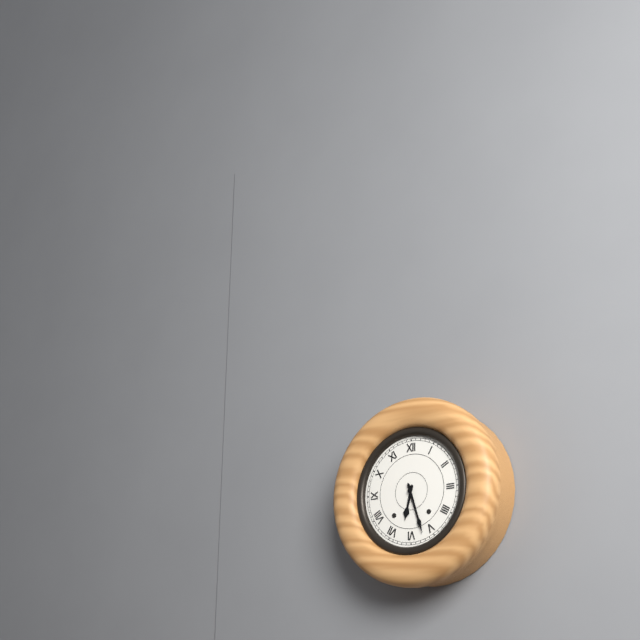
**6:27**
